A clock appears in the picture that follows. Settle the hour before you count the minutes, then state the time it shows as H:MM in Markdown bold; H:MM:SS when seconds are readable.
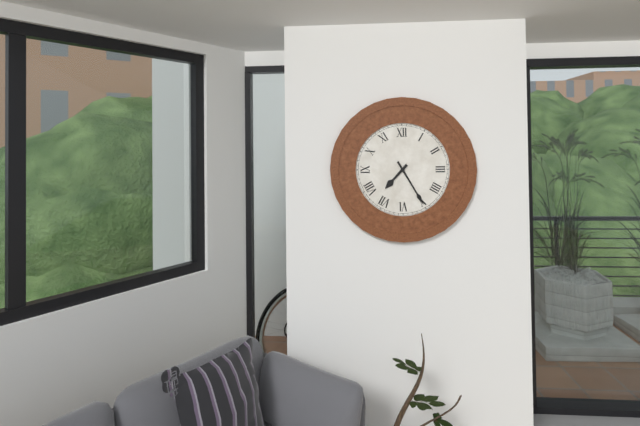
**7:25**
